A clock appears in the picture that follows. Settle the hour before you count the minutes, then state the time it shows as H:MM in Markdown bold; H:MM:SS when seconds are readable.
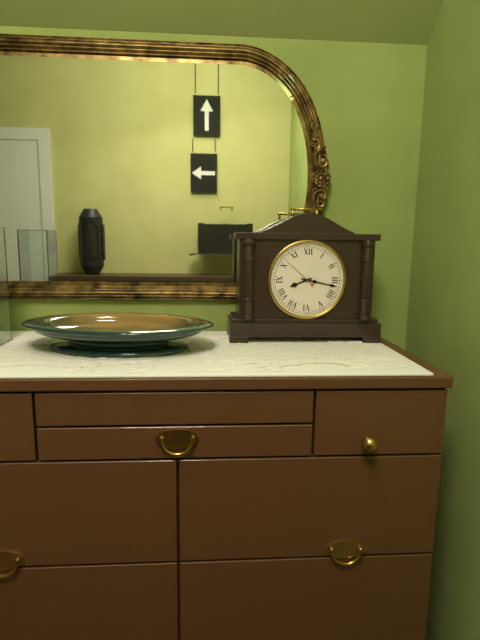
**8:17**
